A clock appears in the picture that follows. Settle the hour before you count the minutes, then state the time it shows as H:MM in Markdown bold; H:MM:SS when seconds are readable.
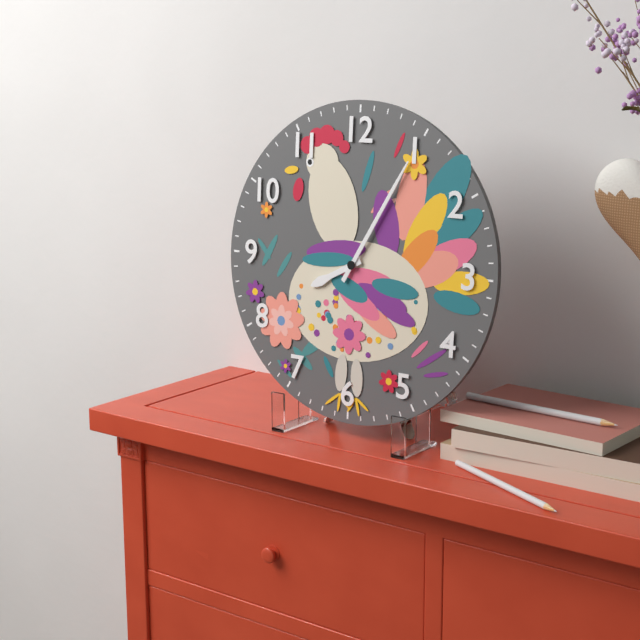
**8:05**
